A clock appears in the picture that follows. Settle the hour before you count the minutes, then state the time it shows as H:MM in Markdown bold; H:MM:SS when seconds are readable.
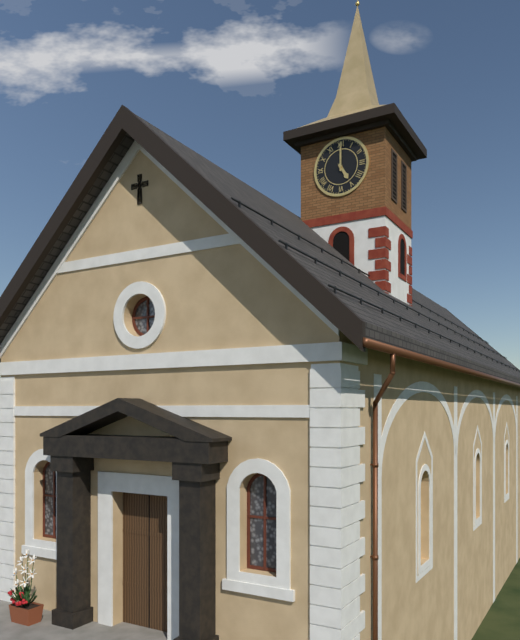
**5:00**
